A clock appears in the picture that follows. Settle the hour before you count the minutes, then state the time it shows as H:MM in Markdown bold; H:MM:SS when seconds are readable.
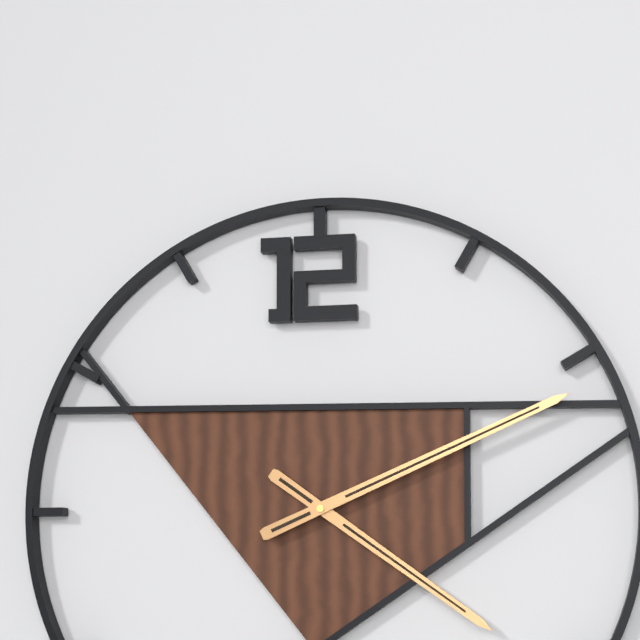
**4:11**
